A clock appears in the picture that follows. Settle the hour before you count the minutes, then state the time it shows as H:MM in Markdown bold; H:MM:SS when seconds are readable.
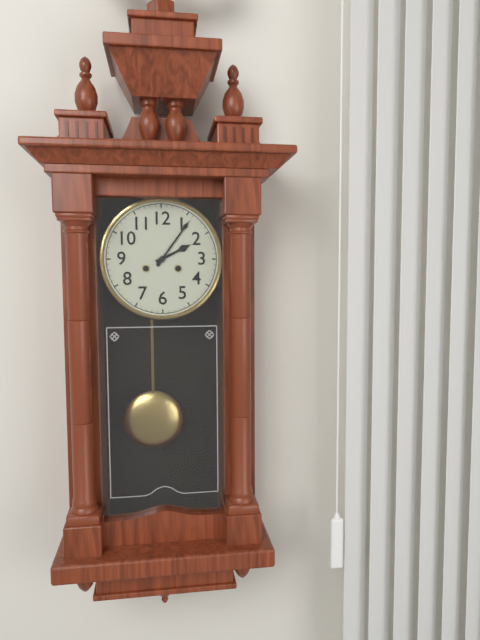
**2:06**
